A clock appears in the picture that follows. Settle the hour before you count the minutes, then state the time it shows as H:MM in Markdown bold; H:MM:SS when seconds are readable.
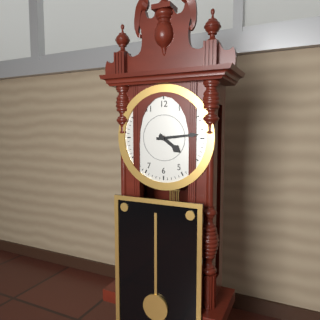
**4:14**
